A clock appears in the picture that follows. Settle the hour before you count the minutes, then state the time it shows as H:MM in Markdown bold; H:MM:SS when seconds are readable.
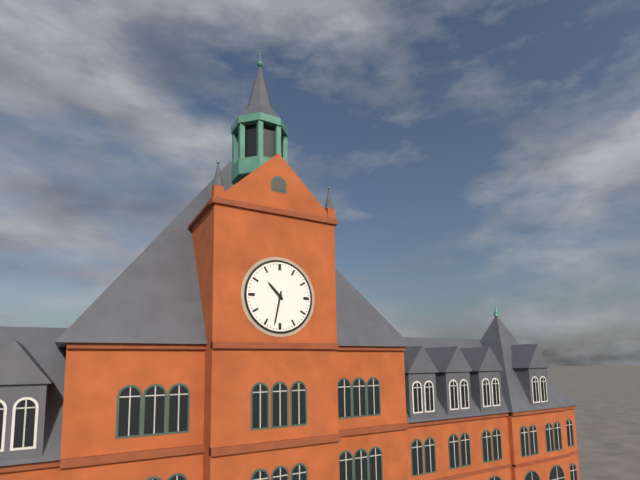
**10:32**
